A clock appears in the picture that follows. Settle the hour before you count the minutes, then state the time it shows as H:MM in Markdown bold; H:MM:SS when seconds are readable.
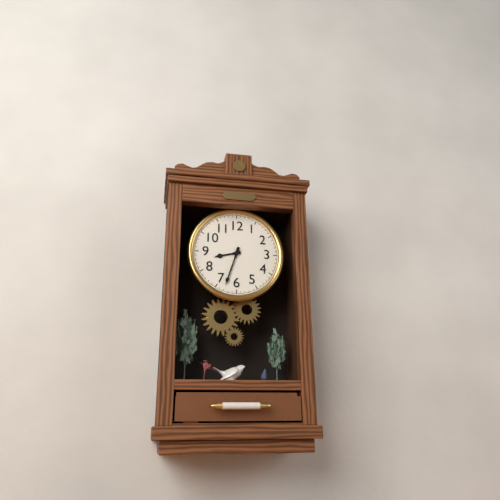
**8:33**
